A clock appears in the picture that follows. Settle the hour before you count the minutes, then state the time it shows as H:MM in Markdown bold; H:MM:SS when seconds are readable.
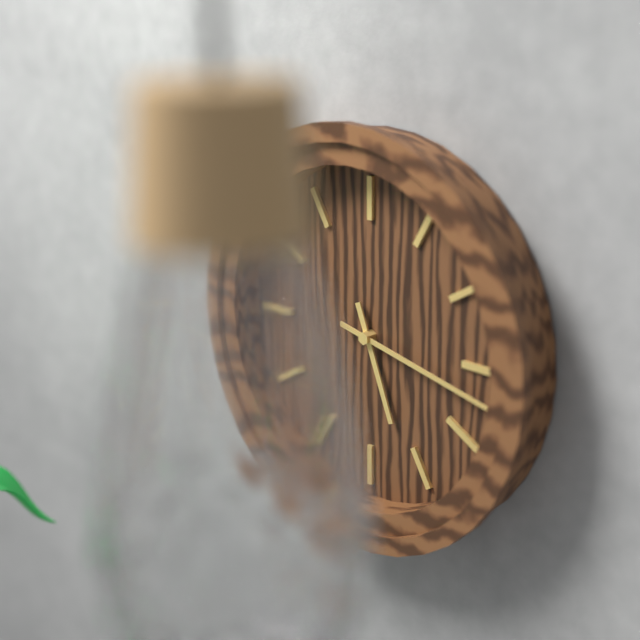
**5:17**
